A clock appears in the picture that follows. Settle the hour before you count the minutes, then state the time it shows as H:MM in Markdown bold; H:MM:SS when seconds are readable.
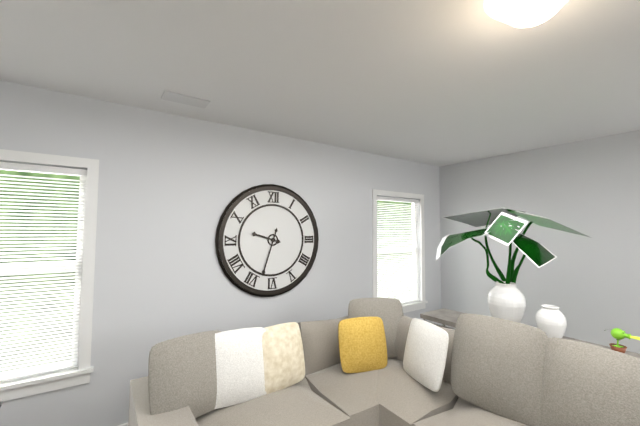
**9:33**
